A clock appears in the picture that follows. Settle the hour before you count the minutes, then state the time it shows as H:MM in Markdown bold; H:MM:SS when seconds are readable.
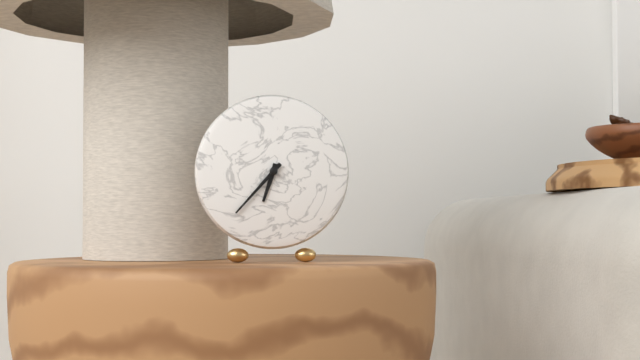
**6:37**
